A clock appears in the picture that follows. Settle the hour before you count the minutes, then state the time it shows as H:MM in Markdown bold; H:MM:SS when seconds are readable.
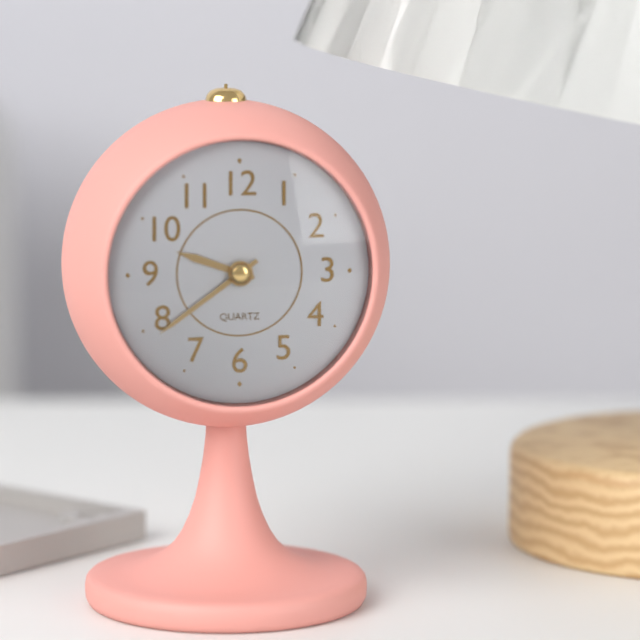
**9:39**
